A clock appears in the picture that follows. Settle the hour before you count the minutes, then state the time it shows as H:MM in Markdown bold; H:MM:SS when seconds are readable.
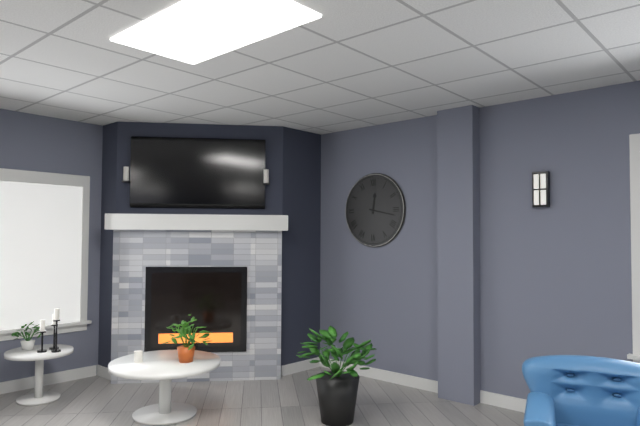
**12:17**
